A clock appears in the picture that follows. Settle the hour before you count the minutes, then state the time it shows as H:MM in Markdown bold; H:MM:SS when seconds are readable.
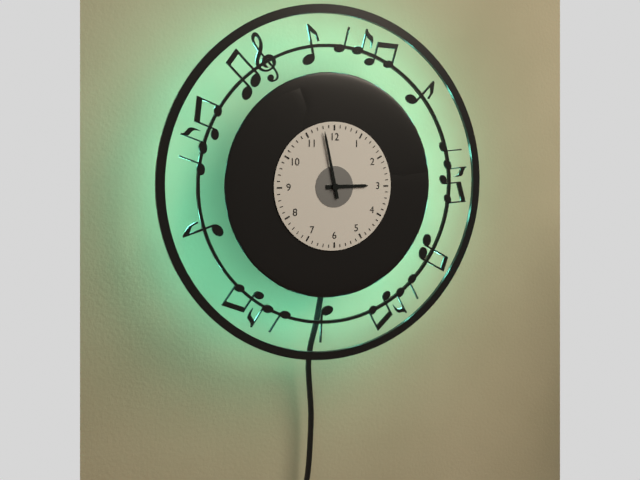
**2:58**
